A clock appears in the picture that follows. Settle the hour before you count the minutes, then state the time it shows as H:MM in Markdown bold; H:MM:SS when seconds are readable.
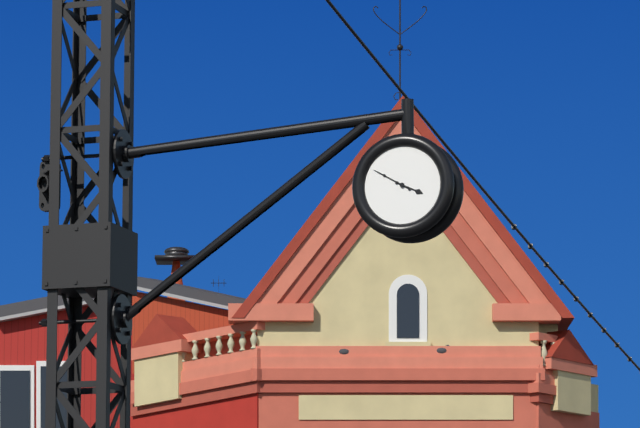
**3:50**
